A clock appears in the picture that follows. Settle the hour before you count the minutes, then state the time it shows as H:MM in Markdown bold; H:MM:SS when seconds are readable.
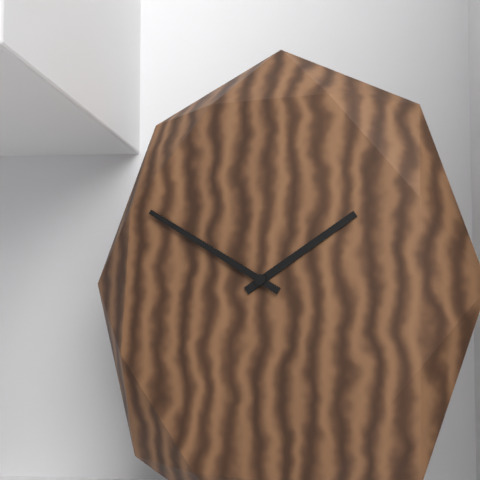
**1:50**
